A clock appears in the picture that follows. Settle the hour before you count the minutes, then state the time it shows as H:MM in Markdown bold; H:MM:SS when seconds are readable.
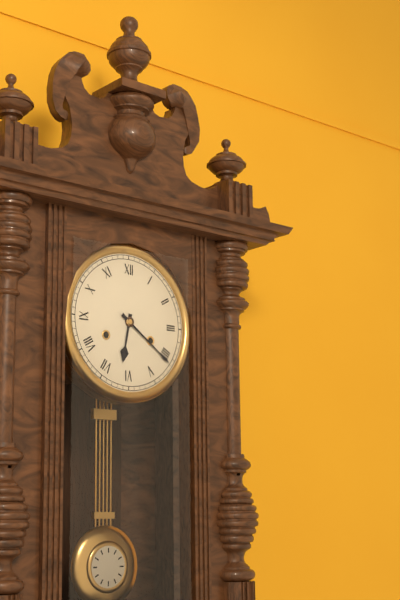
**6:21**
